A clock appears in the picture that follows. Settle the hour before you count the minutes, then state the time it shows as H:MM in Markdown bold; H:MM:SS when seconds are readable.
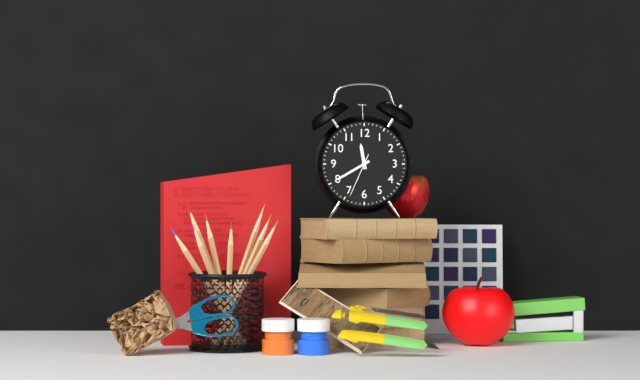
**11:40**
